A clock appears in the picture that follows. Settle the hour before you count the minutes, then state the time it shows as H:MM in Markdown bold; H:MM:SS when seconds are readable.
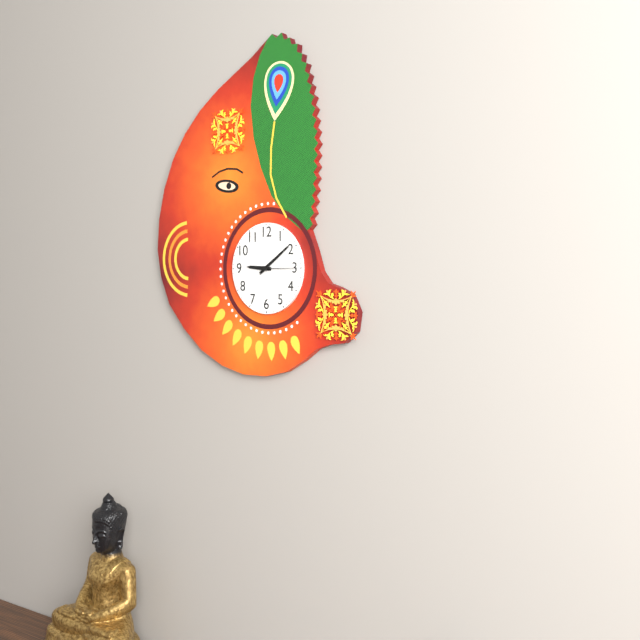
**9:09**
